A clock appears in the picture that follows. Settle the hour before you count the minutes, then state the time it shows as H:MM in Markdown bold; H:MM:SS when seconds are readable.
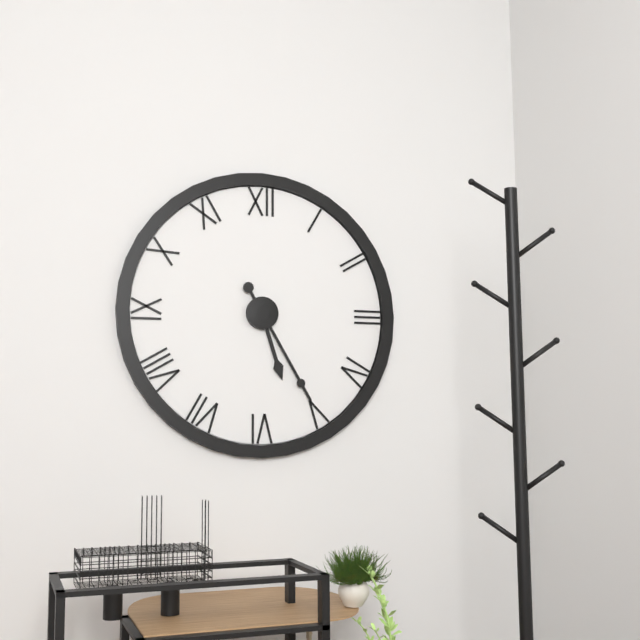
**5:25**
